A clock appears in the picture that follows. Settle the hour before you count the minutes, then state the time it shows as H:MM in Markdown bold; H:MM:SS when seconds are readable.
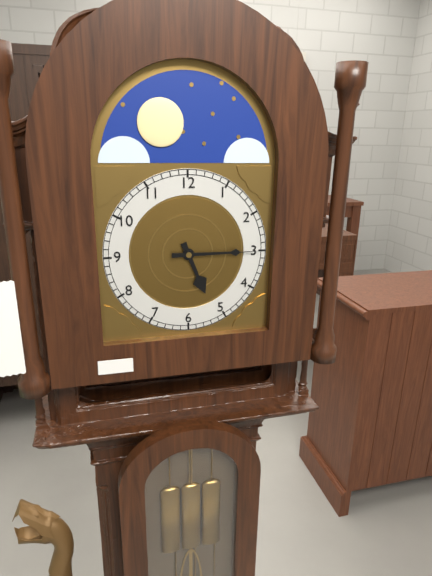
**5:15**
